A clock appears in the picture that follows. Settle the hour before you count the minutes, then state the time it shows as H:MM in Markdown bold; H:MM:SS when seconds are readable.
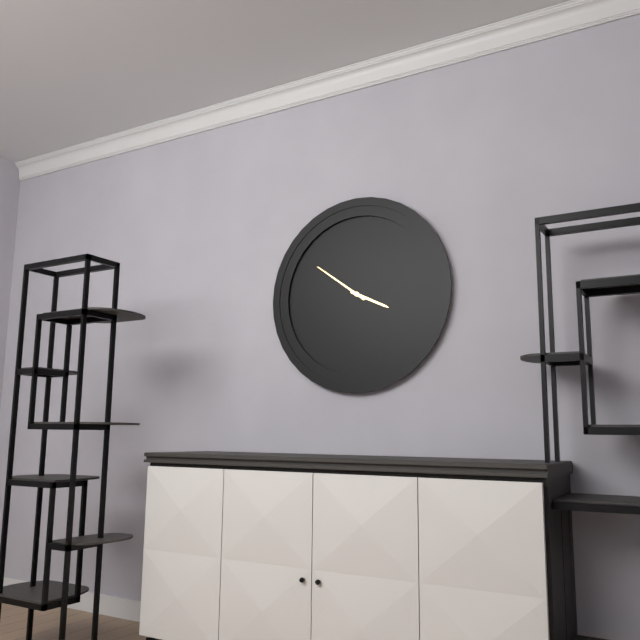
**3:51**
